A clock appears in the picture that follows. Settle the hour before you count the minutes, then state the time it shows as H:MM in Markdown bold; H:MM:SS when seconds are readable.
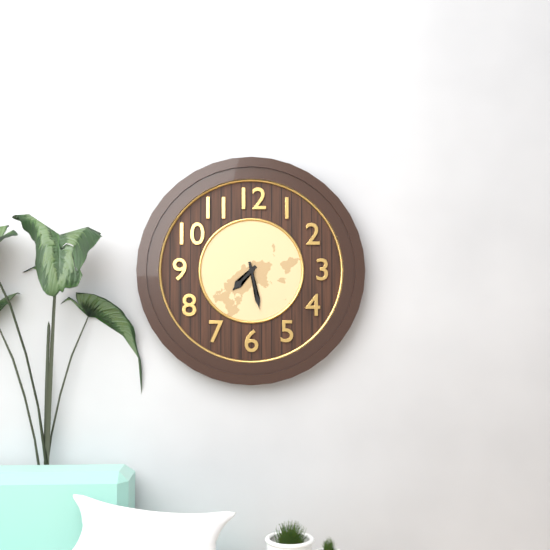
**7:28**
